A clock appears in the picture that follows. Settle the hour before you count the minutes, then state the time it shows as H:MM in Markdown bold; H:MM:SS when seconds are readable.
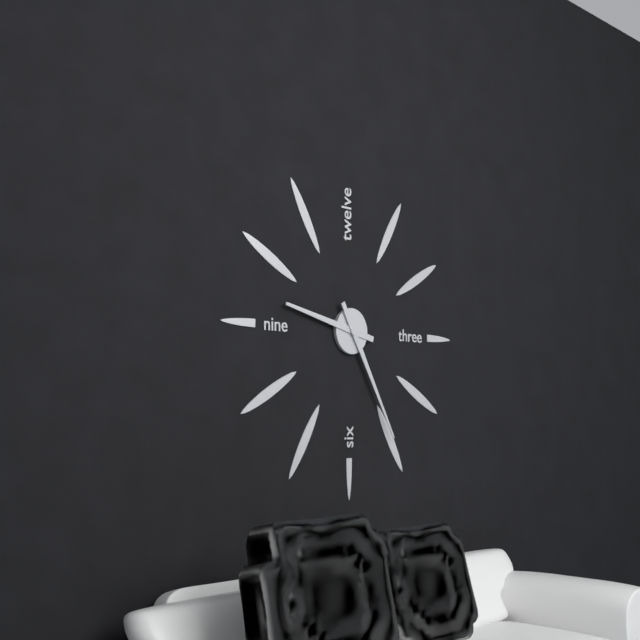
**9:25**
